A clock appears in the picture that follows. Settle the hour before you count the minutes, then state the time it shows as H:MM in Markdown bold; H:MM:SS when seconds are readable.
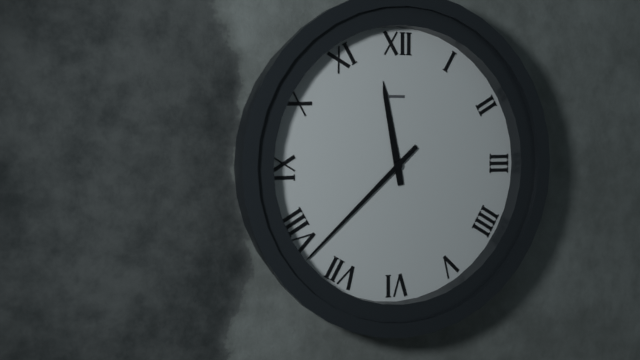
**11:38**
